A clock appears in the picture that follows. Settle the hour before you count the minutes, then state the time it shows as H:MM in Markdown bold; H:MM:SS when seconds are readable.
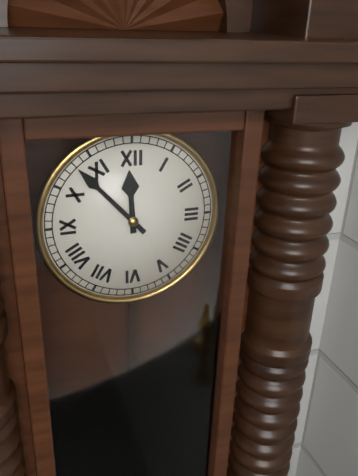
**11:53**
